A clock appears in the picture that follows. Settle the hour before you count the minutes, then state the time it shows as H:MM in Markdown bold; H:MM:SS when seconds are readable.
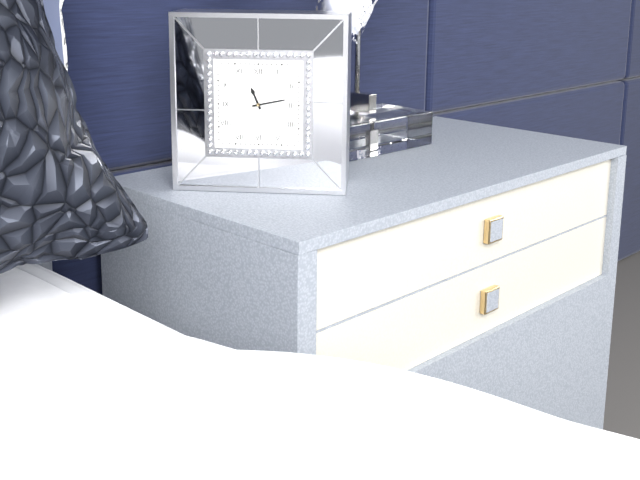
**11:13**
